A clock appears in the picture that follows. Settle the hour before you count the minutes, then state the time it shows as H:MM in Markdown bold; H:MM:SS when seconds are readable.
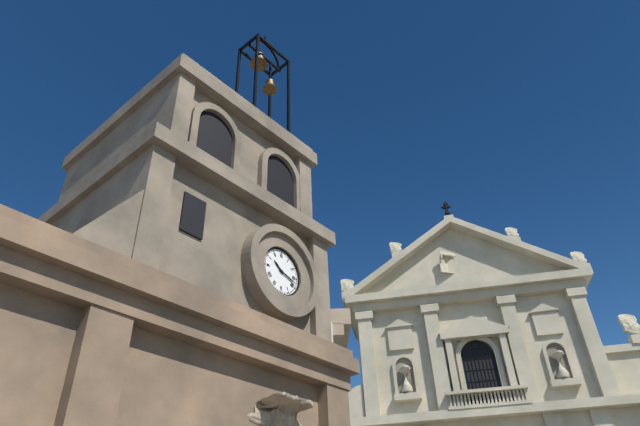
**10:18**
